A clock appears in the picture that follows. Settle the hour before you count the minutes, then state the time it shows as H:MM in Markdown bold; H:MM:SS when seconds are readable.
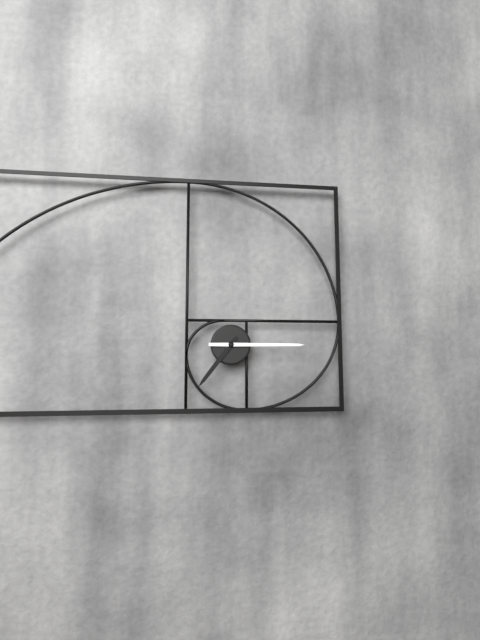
**7:15**
